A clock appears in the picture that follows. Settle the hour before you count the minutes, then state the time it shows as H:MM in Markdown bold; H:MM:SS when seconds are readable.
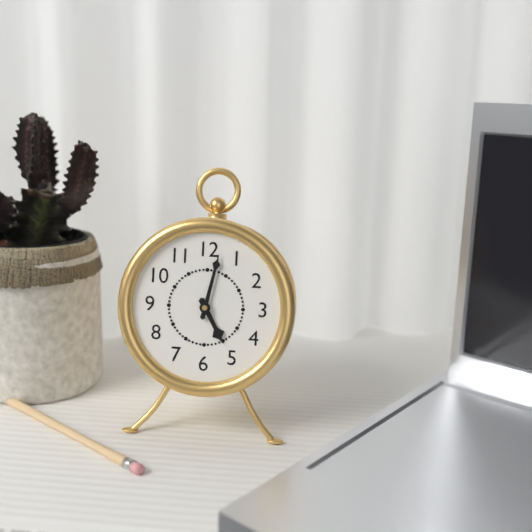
**5:02**
